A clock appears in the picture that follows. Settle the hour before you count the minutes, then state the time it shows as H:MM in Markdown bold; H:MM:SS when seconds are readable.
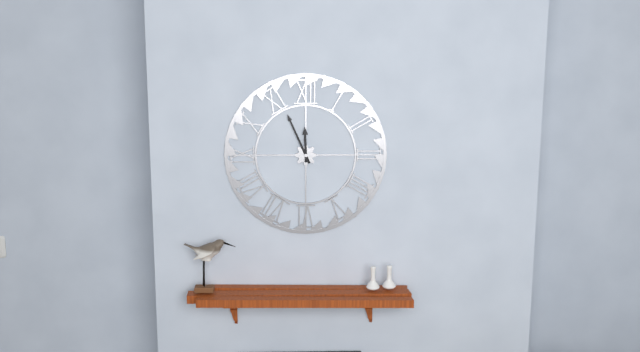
**11:56**
